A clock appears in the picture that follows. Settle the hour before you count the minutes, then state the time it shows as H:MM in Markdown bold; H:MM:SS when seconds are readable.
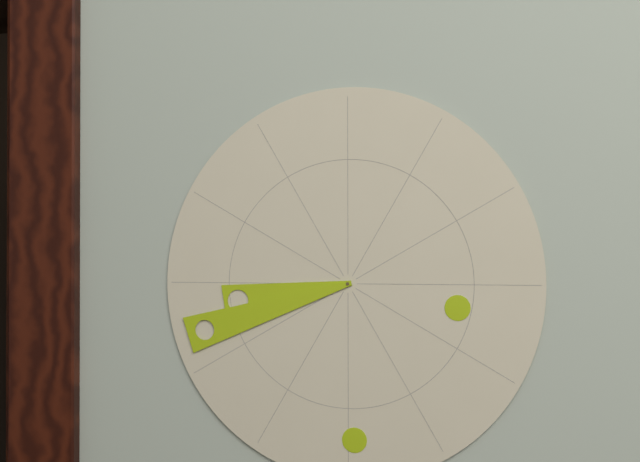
**8:42**
